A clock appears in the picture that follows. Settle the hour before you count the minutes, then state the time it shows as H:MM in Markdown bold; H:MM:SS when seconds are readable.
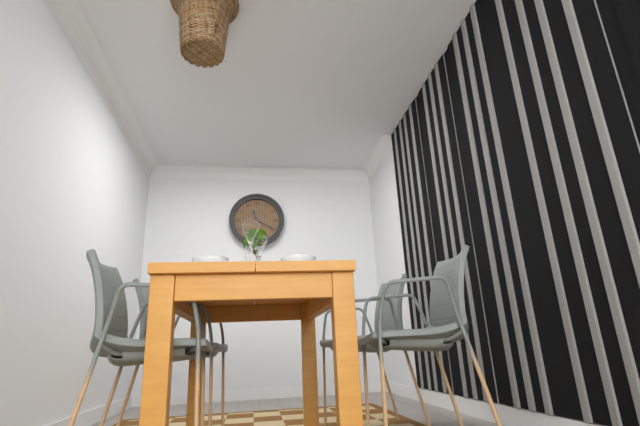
**11:20**
